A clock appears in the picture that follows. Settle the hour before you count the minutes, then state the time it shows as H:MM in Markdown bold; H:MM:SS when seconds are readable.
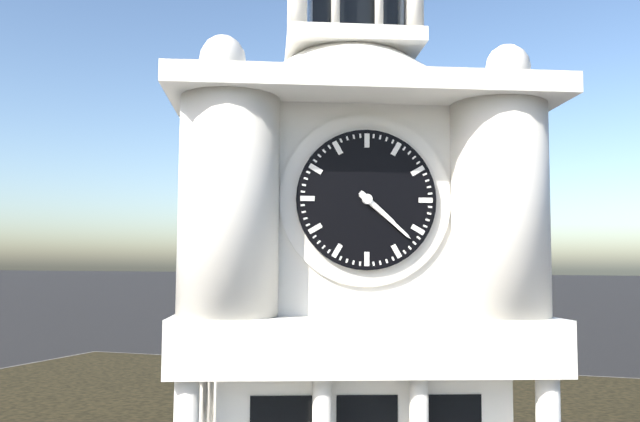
**4:22**
